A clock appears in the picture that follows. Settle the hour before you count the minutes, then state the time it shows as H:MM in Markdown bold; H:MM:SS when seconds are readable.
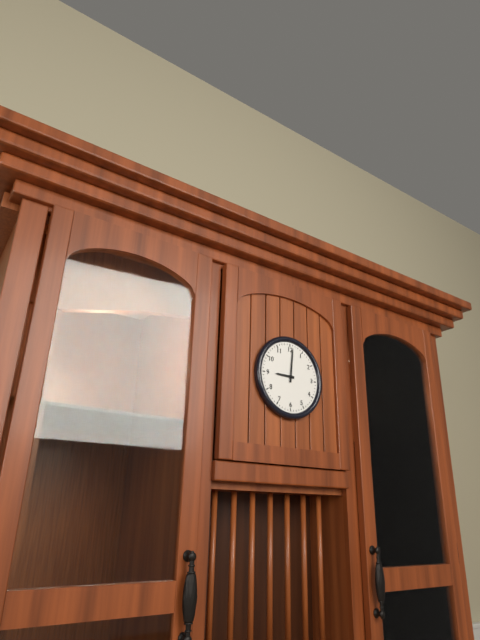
**9:01**
